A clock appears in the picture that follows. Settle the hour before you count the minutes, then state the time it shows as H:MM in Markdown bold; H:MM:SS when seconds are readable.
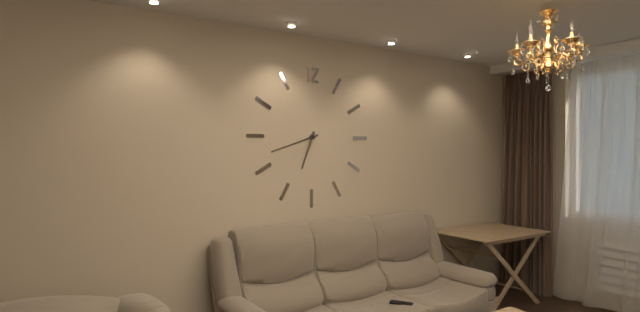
**6:42**
